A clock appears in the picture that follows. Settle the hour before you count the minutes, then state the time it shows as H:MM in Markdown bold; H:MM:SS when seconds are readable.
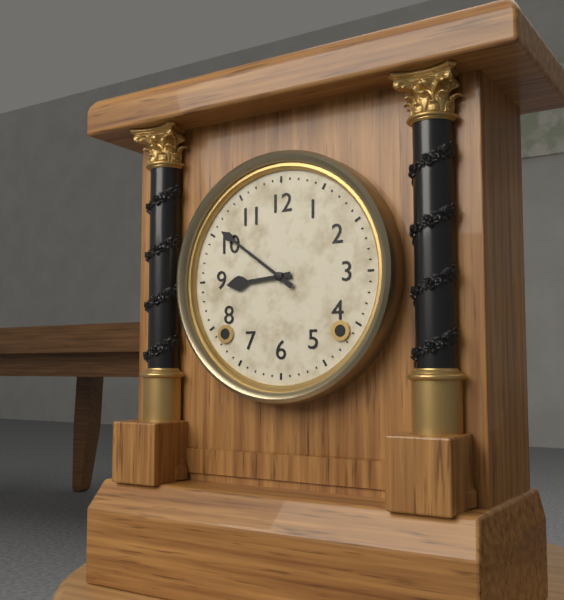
**8:51**
